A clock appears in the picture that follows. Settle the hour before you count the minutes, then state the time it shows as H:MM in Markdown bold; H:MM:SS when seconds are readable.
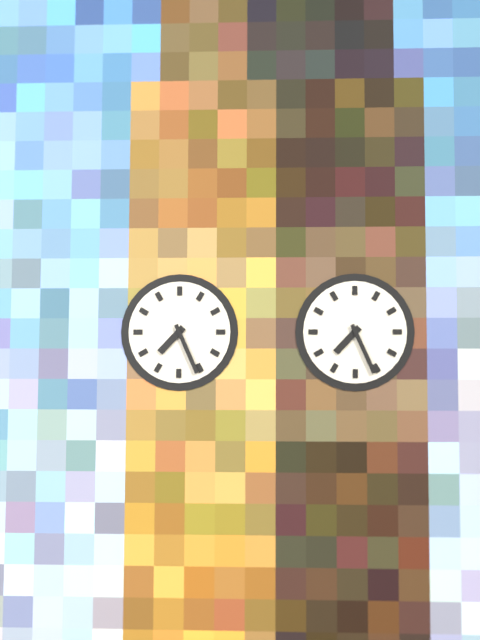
**7:26**
